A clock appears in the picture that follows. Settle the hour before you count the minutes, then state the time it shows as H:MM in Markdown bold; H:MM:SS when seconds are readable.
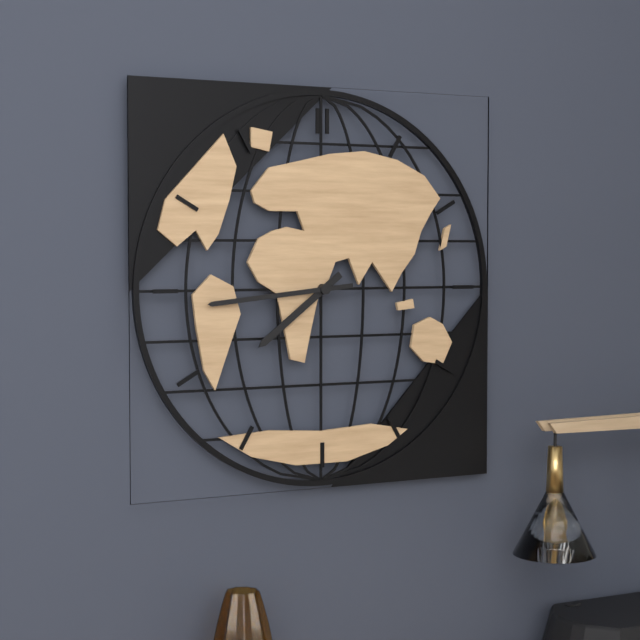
**7:44**
